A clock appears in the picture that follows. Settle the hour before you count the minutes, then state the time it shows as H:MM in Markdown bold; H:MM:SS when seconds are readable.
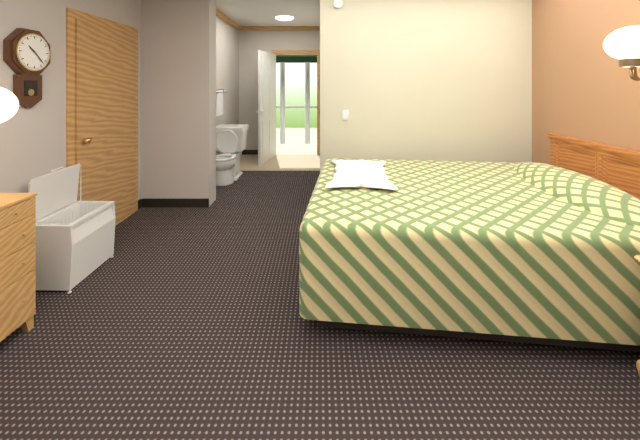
**10:23**
